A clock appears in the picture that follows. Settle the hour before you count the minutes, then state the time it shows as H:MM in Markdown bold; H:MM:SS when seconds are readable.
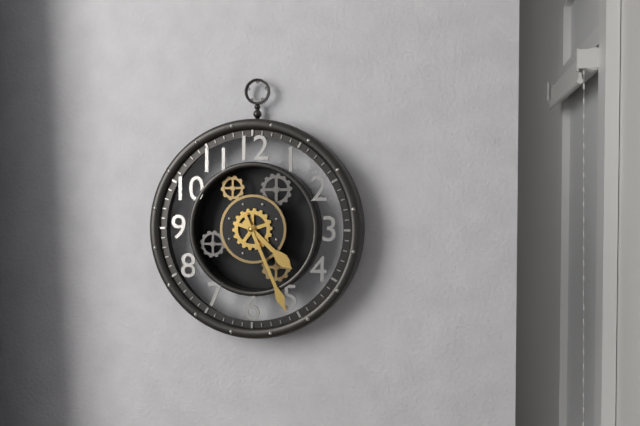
**4:26**
